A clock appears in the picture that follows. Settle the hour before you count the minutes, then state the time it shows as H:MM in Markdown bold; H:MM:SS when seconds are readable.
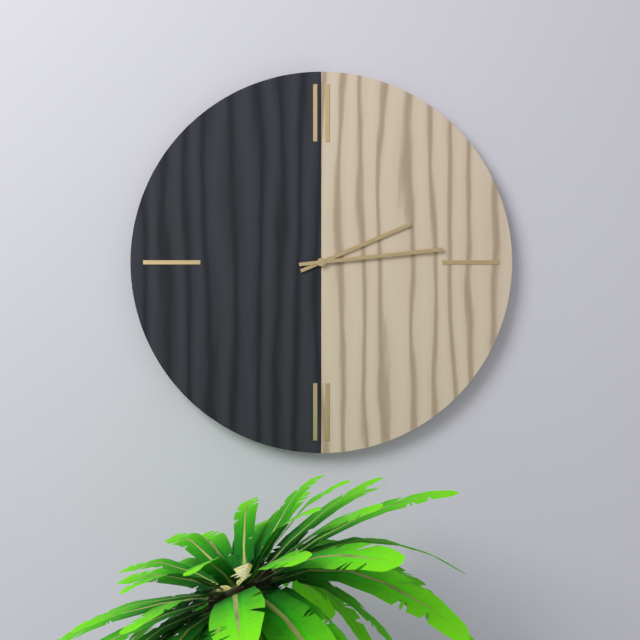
**2:14**
